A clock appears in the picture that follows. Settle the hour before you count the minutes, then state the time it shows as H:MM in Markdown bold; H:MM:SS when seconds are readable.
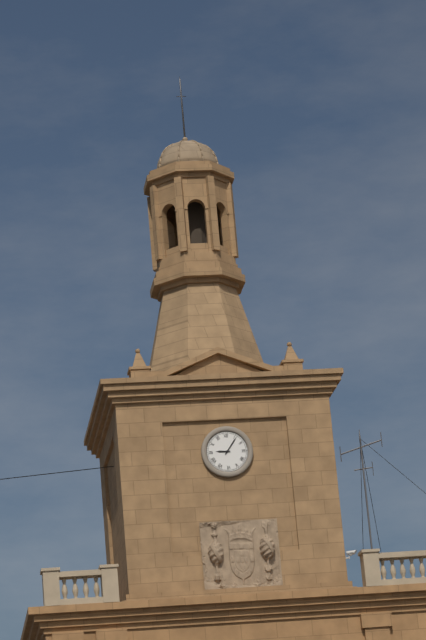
**9:06**
